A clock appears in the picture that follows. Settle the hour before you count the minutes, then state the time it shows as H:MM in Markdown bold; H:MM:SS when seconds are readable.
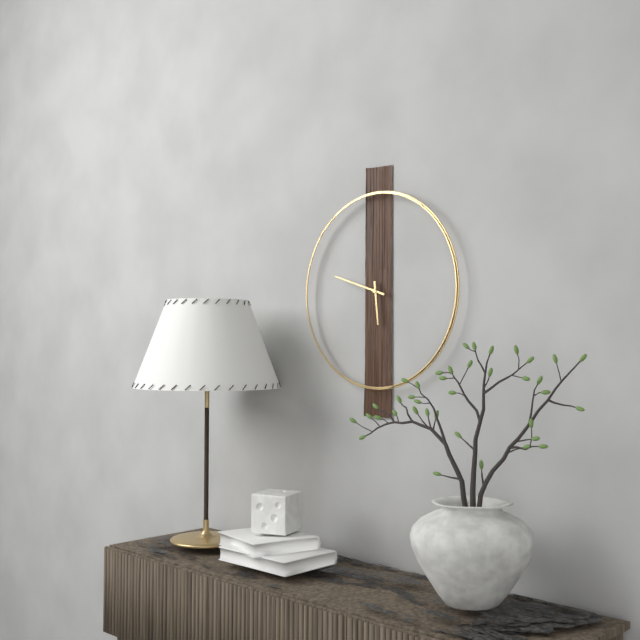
**5:48**
